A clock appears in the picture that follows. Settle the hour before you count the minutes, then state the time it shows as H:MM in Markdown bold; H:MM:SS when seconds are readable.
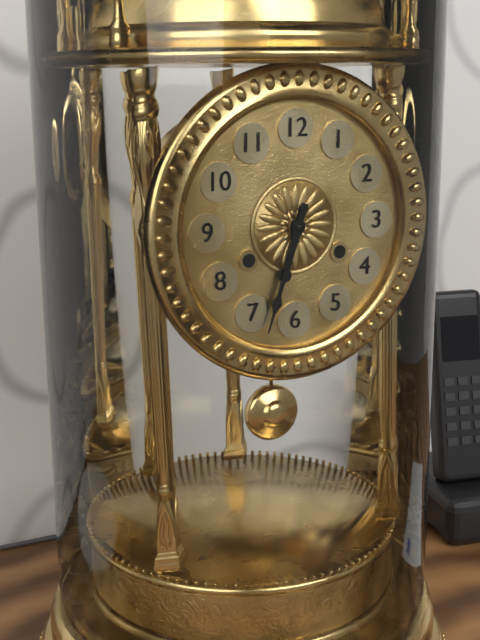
**6:33**
